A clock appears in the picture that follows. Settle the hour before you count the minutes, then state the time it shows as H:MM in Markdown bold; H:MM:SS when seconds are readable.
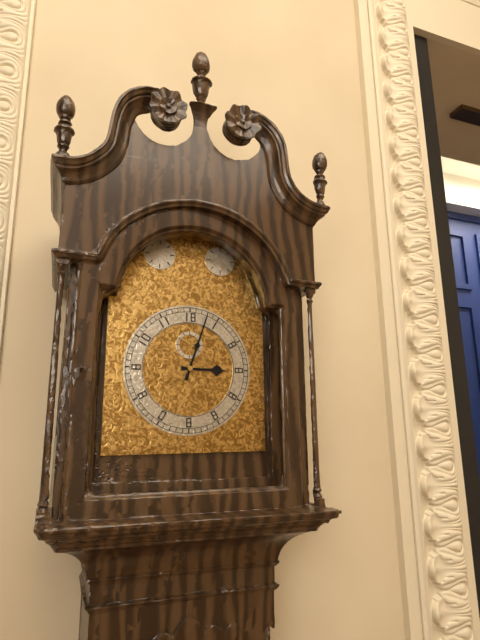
**3:03**
